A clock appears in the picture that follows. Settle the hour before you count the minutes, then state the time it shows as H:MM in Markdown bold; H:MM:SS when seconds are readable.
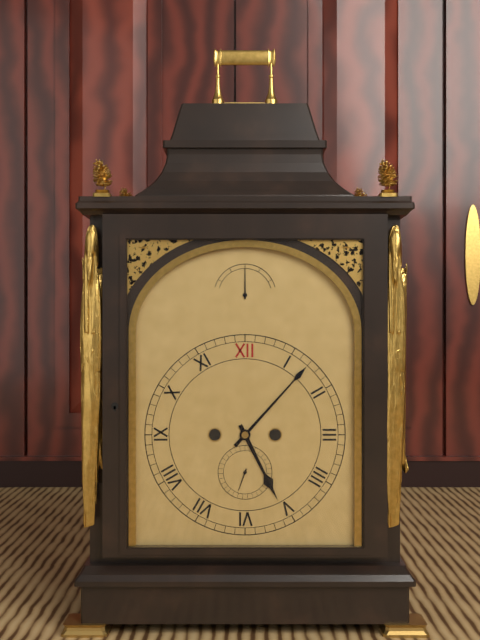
**5:07**
